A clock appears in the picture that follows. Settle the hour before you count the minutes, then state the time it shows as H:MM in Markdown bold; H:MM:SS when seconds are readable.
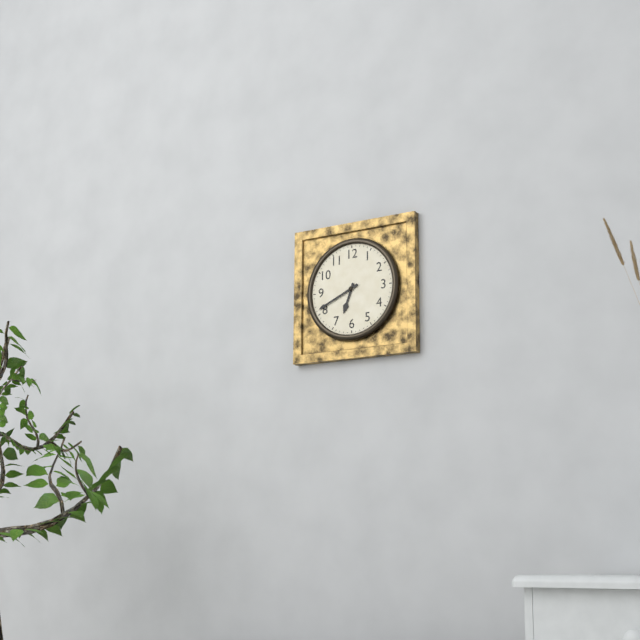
**6:41**
